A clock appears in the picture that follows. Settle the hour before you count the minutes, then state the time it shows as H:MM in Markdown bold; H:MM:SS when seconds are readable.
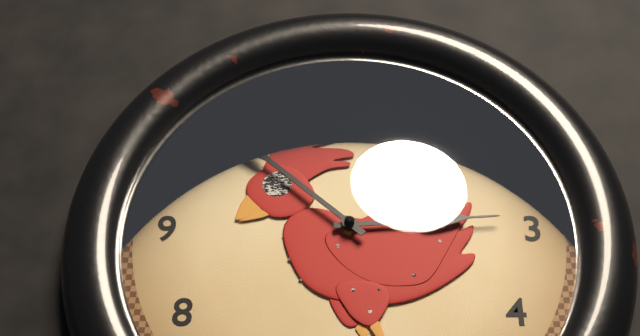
**2:52**
